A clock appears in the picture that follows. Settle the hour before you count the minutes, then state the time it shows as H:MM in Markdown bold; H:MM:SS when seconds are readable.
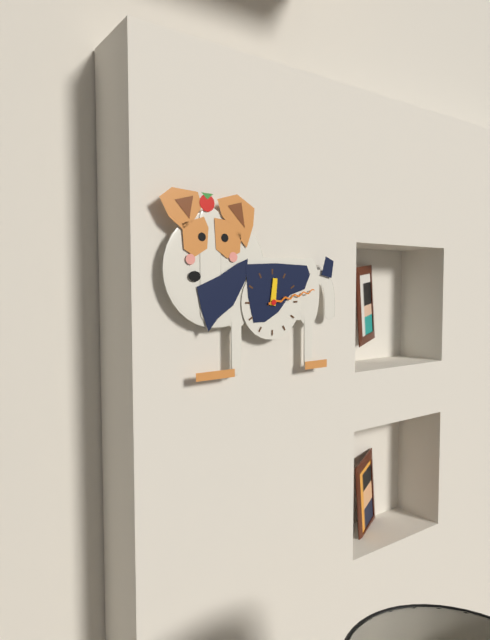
**12:13**
